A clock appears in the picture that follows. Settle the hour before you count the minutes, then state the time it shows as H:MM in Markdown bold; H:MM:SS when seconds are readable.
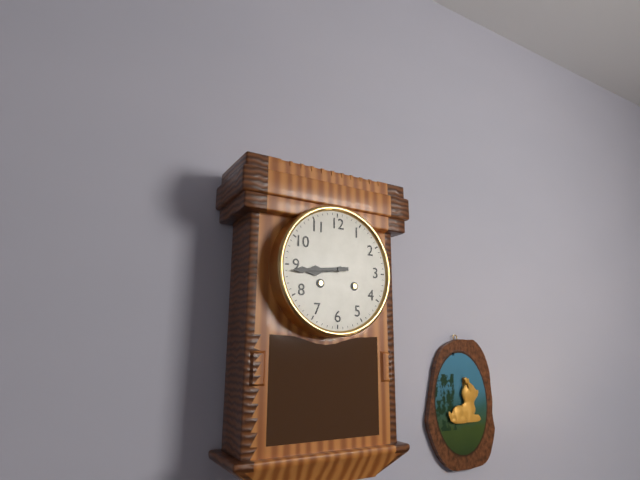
**8:44**
